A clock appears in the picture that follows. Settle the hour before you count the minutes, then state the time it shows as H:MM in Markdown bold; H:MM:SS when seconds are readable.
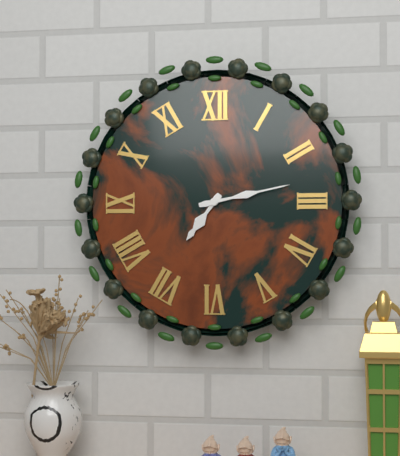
**7:13**
